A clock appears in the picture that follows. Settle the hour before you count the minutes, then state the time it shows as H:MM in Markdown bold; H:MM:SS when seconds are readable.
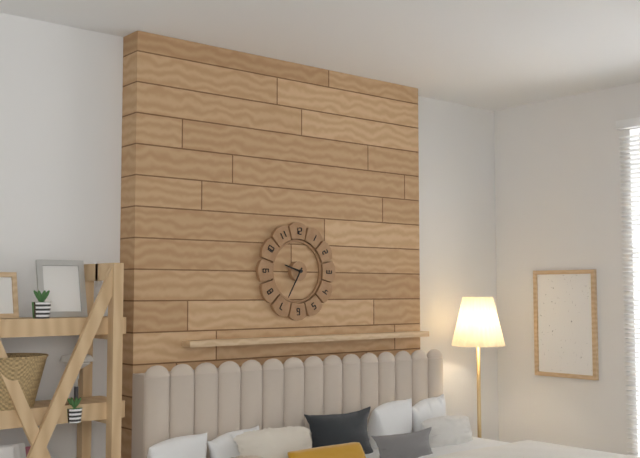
**9:35**
